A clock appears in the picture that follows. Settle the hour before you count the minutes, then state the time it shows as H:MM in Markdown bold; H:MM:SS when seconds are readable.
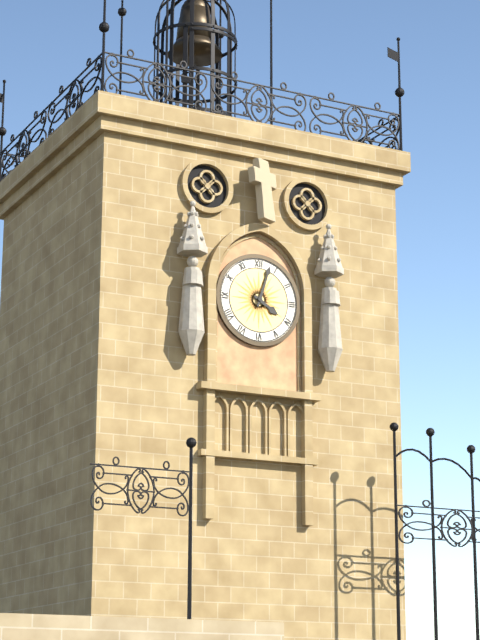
**4:03**
